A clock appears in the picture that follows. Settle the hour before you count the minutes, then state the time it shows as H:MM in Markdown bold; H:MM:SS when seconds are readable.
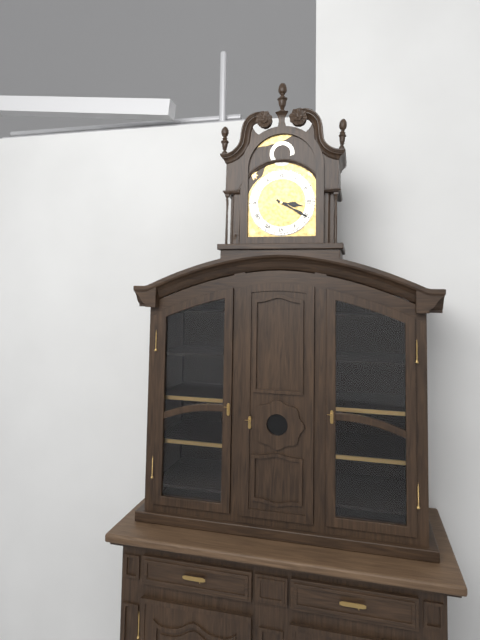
**3:20**
